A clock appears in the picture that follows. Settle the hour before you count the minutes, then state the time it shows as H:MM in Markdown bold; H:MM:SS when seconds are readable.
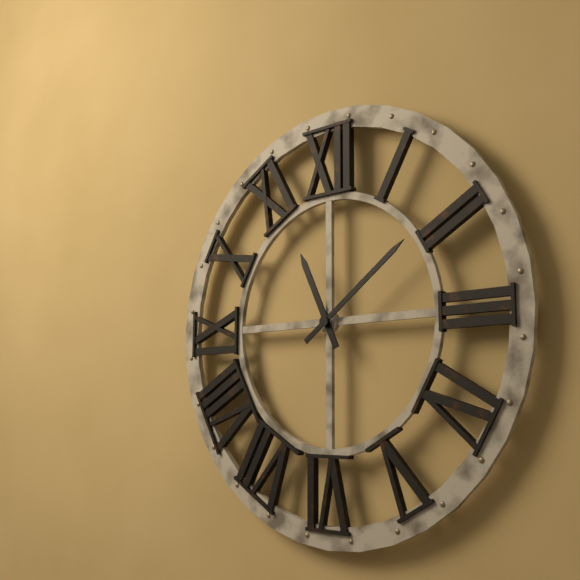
**11:09**
